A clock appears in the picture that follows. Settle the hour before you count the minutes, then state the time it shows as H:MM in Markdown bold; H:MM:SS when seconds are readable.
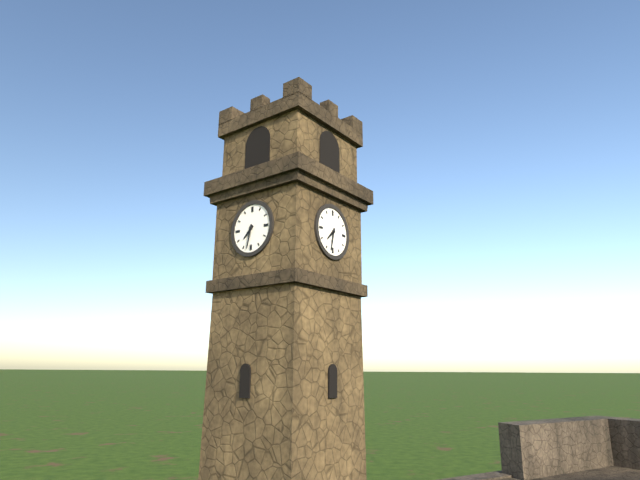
**7:32**
